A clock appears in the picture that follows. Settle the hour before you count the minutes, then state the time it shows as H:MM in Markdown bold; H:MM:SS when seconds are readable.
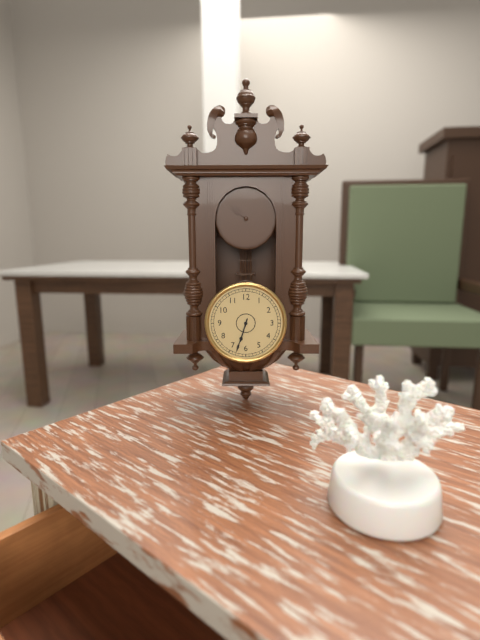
**6:33**
